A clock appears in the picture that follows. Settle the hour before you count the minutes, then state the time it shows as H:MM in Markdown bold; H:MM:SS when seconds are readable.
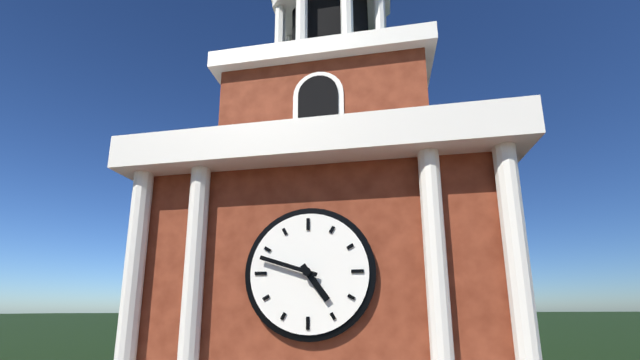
**4:48**
